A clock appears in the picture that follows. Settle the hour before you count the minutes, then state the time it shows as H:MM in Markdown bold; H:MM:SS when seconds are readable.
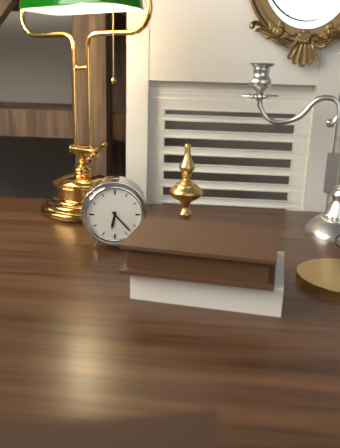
**6:23**
